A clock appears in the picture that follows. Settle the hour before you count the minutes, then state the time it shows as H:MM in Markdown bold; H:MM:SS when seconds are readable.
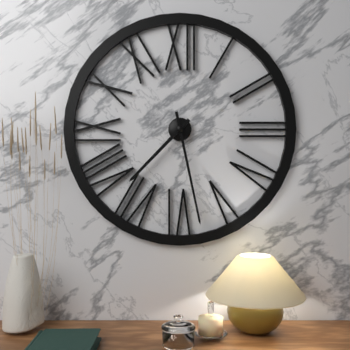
**7:28**
